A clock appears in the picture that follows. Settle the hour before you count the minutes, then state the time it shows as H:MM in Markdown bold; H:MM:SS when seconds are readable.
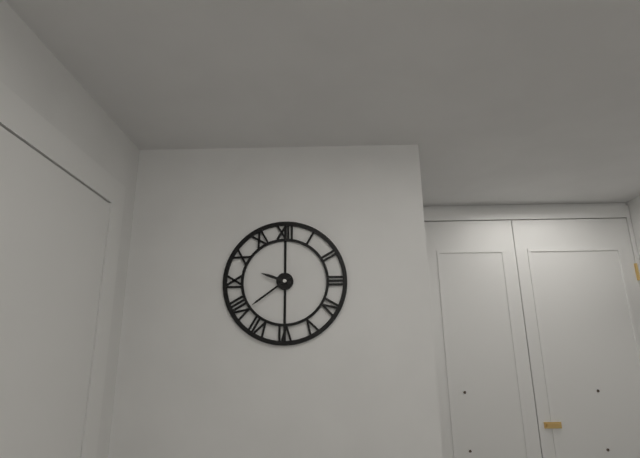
**9:39**
